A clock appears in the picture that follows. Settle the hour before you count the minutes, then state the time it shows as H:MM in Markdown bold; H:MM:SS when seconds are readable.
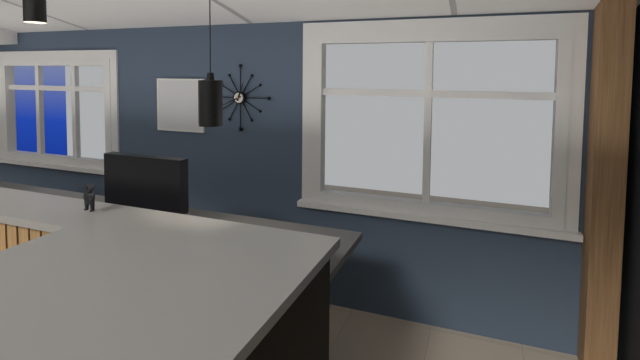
**12:41**
